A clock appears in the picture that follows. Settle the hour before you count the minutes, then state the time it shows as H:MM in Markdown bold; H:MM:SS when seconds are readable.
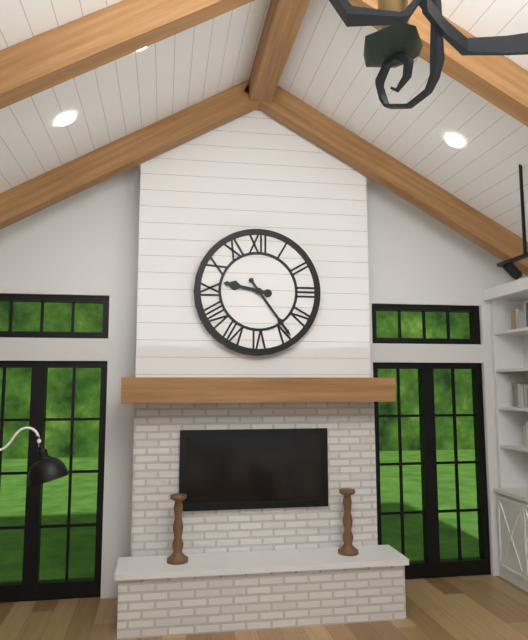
**9:24**
